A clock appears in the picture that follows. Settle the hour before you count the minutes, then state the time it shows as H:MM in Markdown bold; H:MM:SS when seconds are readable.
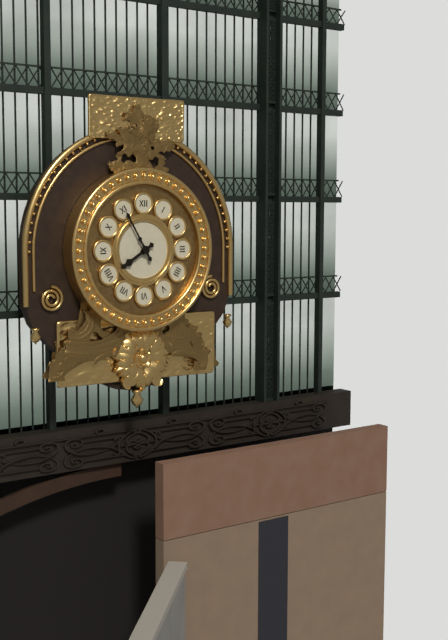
**7:55**
